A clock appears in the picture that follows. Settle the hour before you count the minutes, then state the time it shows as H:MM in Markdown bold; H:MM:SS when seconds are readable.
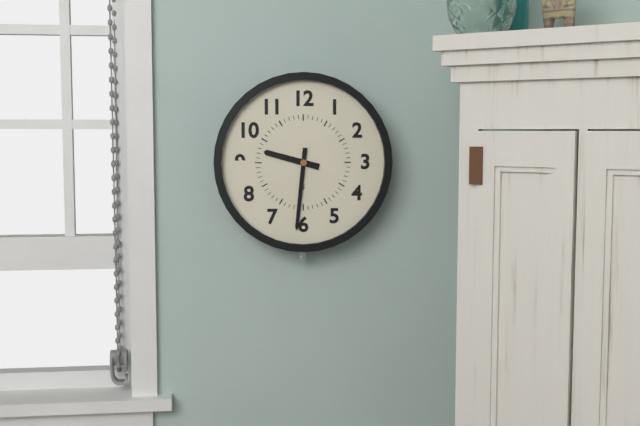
**9:31**
